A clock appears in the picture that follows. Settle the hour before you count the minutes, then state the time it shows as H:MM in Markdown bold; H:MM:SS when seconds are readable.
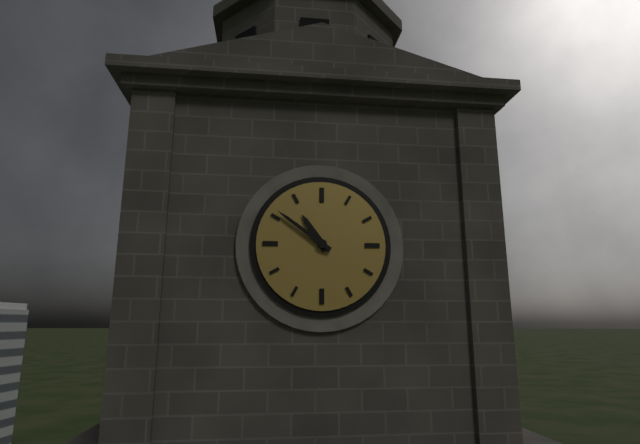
**10:51**
